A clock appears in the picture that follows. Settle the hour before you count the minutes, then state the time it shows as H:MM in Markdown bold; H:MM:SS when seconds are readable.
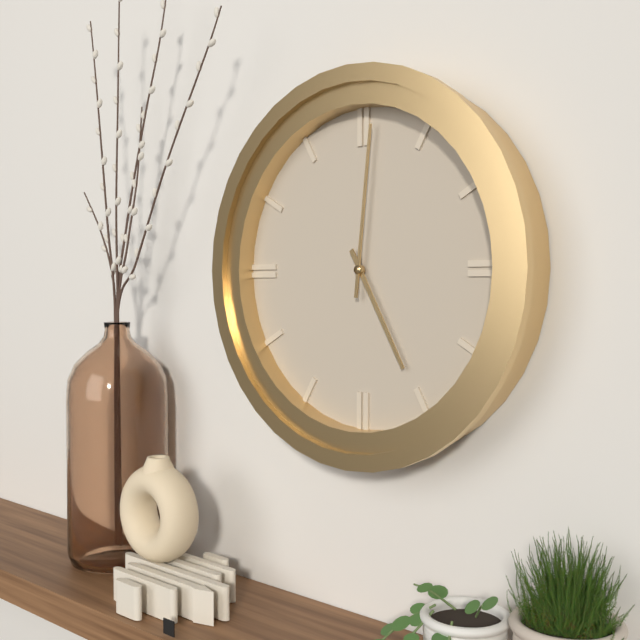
**5:01**
